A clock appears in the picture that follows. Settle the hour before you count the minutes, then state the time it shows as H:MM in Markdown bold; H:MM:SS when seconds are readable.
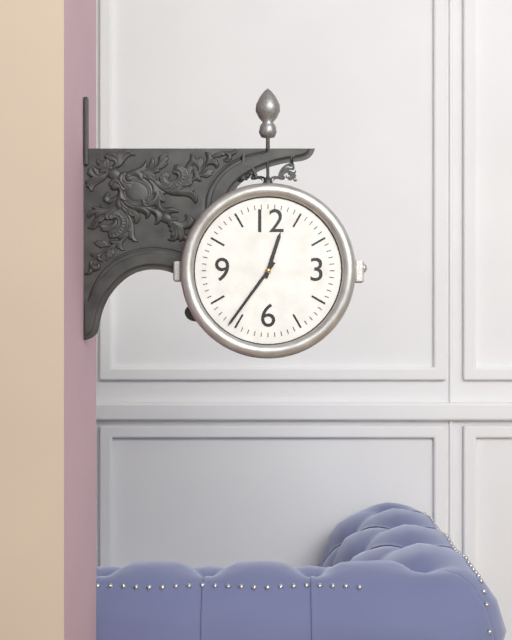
**12:36**
